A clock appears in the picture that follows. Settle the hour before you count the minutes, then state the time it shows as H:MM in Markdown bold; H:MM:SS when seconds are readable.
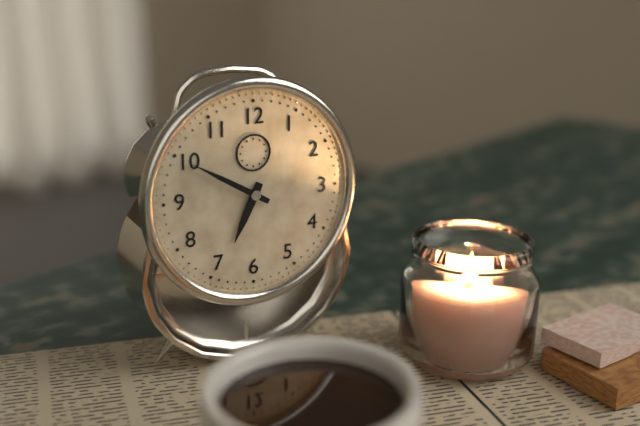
**6:50**
